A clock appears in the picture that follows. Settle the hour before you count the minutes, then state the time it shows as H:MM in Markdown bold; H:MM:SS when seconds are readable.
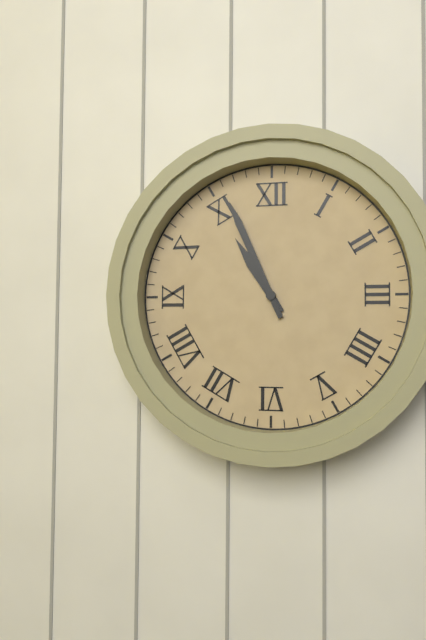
**10:56**
